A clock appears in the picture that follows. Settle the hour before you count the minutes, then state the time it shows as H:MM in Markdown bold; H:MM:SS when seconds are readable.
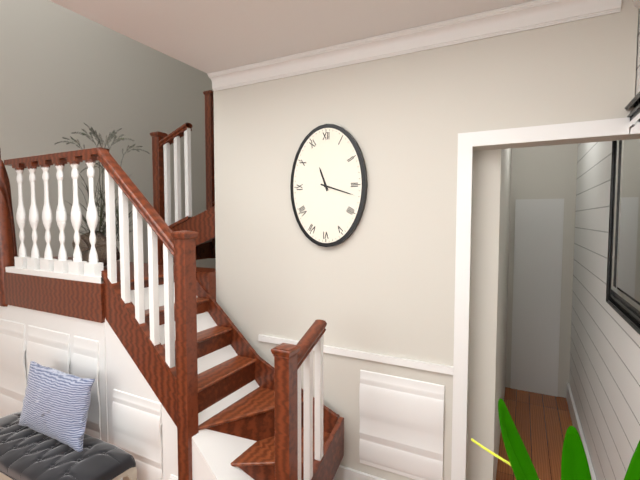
**11:18**
